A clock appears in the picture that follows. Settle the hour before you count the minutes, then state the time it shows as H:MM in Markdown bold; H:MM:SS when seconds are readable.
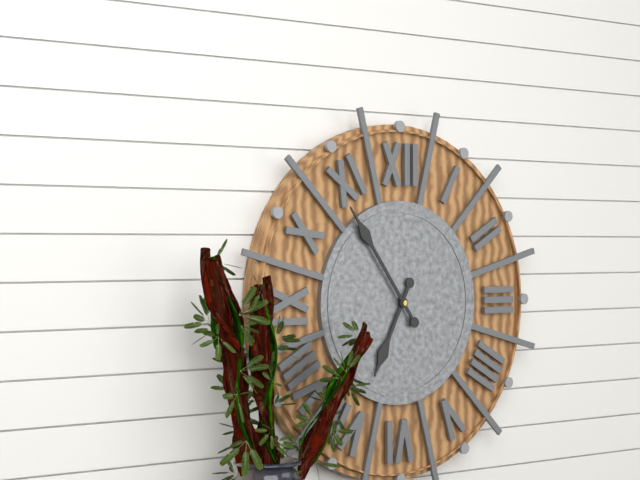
**6:54**
